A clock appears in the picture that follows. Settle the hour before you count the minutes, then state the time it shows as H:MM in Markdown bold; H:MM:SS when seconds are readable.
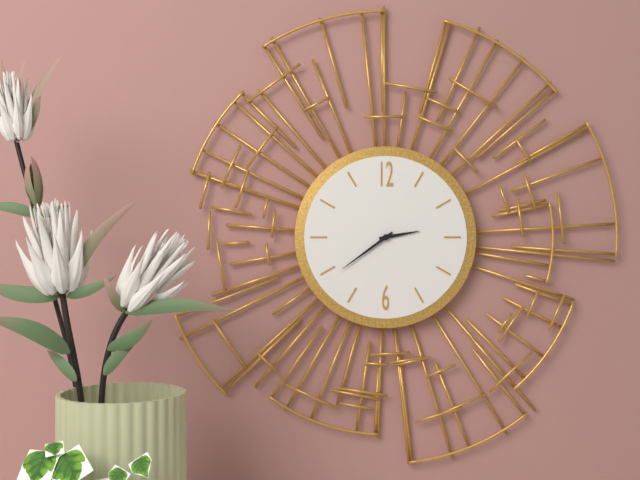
**2:39**
